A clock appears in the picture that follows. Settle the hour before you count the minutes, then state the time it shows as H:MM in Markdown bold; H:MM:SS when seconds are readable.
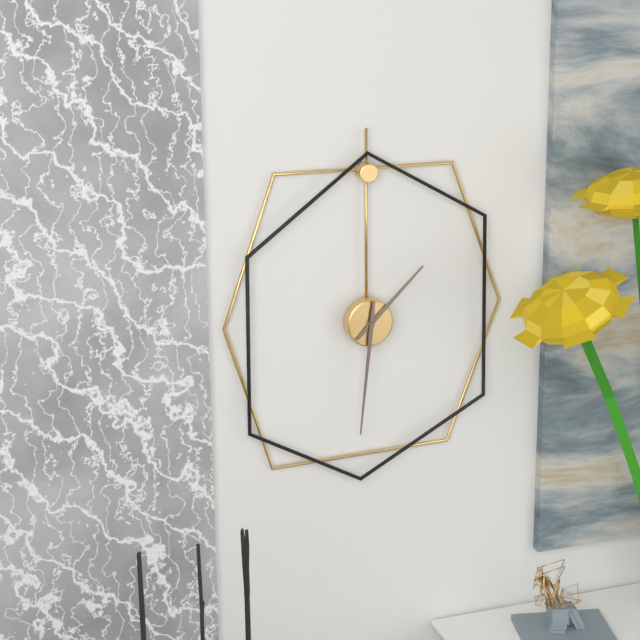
**1:31**
